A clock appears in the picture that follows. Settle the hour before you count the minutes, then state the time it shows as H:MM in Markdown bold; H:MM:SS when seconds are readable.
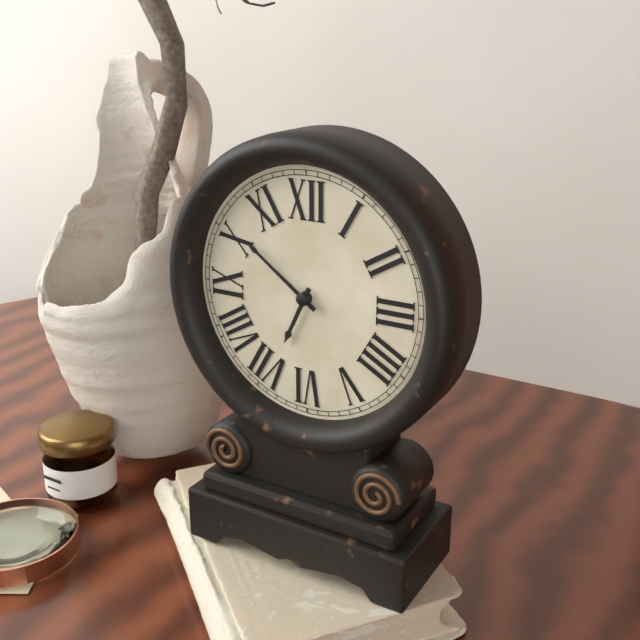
**6:51**
